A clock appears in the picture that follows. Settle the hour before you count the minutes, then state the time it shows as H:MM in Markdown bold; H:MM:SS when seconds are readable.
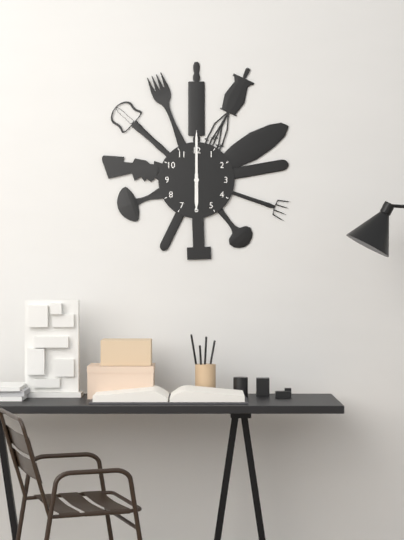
**6:00**
